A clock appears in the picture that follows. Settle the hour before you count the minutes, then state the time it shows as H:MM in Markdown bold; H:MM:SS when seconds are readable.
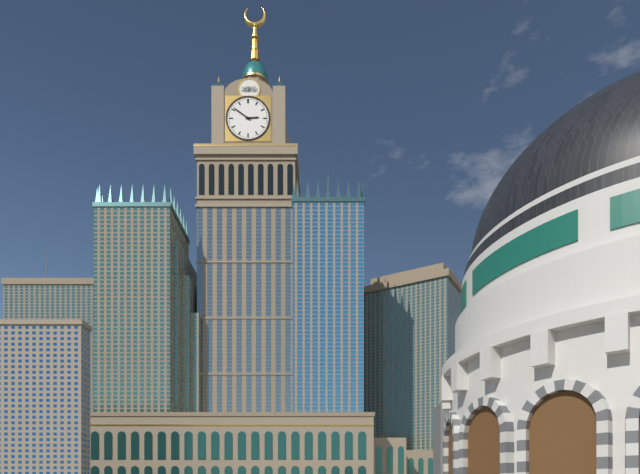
**2:51**
